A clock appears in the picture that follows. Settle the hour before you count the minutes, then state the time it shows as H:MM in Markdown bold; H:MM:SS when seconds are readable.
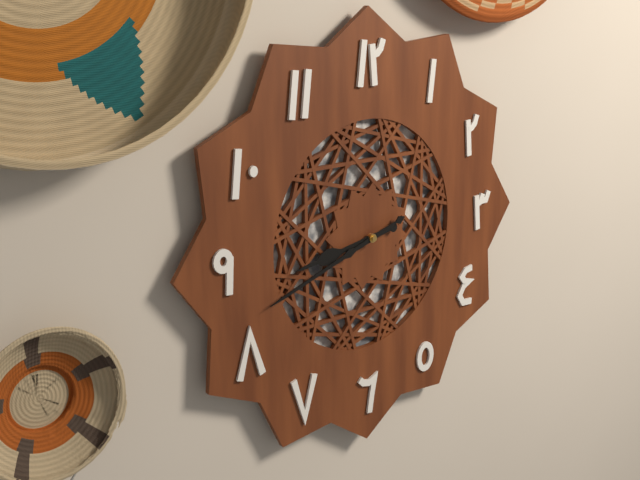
**8:42**
